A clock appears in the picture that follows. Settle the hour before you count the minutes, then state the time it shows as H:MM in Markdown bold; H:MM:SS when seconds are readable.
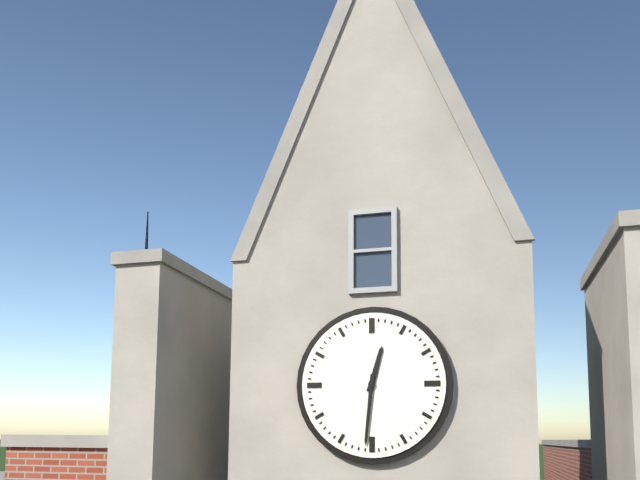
**12:31**
